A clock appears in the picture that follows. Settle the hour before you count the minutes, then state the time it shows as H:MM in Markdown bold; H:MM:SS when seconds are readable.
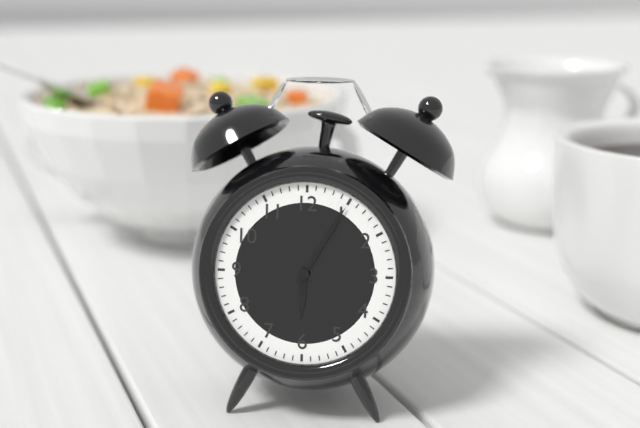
**6:05**
